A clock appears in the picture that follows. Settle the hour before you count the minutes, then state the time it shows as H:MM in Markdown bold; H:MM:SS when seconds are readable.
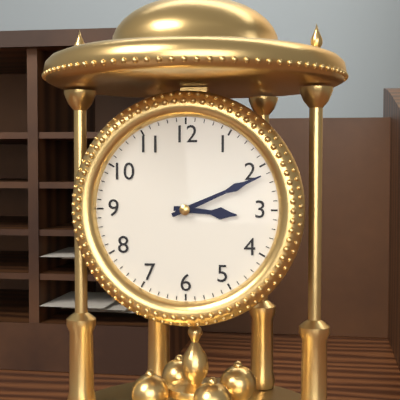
**3:11**
